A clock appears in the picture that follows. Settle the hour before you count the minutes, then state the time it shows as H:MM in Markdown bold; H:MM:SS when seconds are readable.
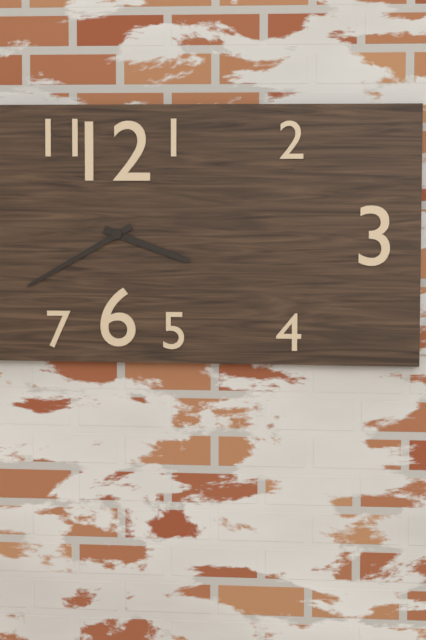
**3:40**
